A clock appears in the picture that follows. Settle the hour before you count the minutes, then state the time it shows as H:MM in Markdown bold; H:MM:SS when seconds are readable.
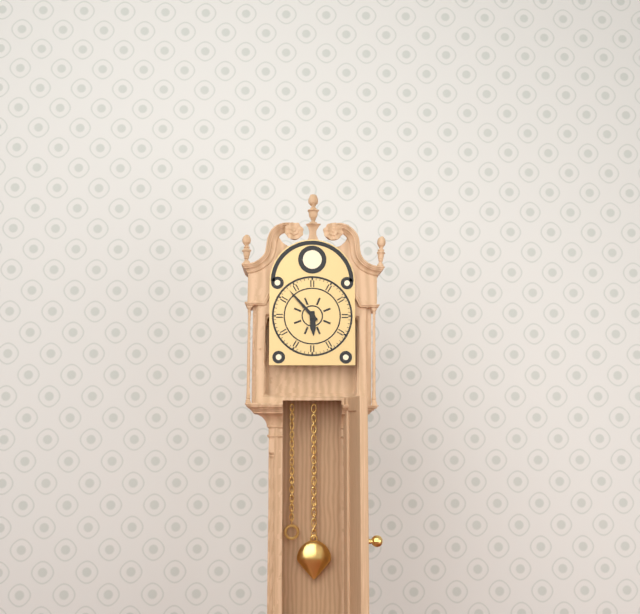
**5:53**
